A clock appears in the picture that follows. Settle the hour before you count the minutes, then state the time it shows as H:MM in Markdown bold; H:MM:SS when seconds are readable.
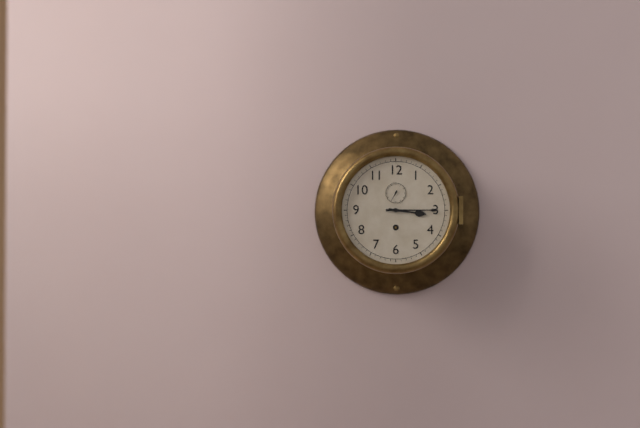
**3:15**
